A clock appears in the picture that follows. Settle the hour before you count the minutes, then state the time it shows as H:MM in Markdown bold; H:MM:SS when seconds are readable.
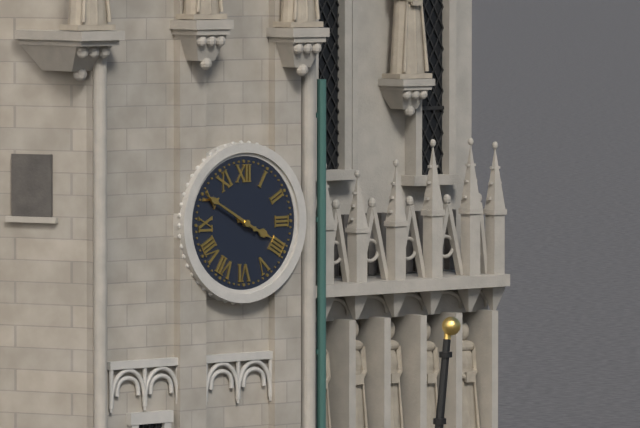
**3:50**
